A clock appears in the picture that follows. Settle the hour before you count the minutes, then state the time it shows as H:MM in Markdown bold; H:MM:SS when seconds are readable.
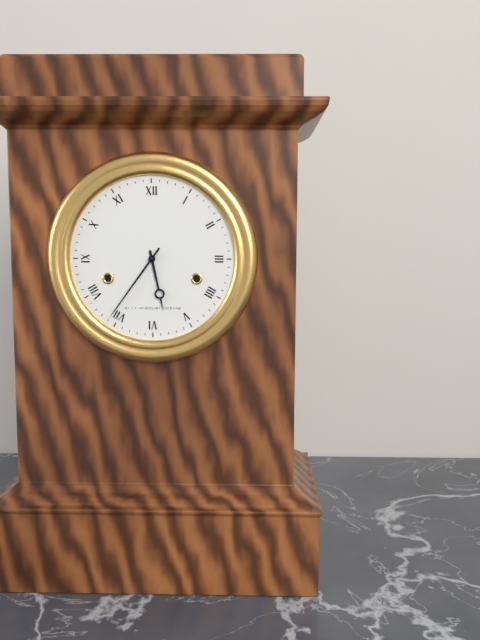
**5:36**
